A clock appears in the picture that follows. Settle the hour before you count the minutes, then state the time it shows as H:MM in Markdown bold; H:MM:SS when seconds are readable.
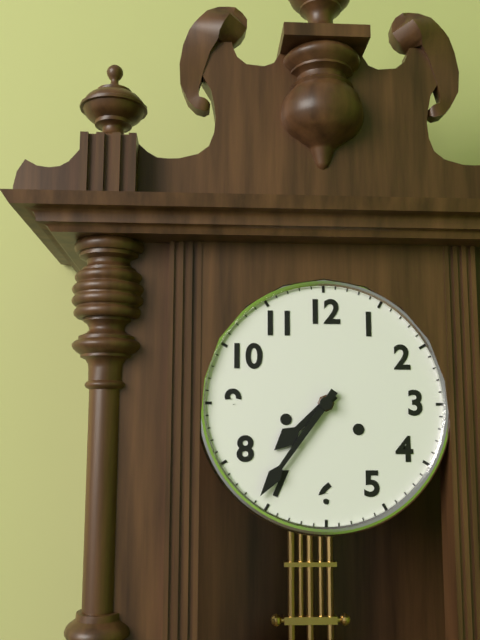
**7:36**
